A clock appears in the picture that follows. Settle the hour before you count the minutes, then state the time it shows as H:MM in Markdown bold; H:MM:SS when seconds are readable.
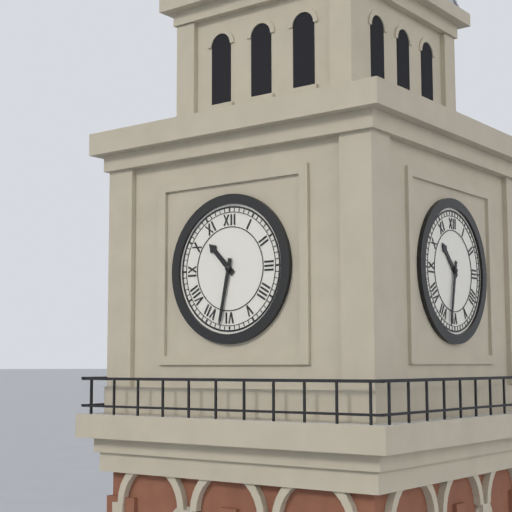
**10:32**
